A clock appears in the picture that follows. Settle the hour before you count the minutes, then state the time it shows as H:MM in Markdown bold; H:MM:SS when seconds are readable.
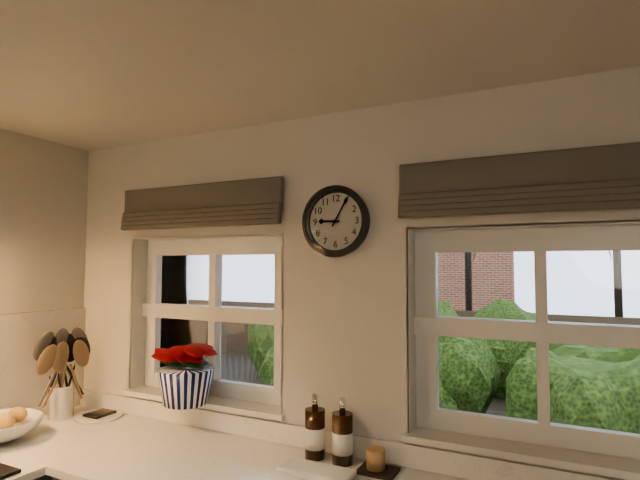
**9:05**
